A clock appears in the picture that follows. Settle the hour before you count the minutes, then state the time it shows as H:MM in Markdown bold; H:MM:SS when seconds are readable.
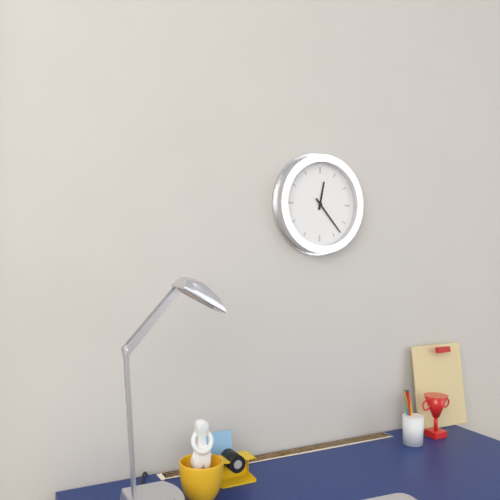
**12:23**
